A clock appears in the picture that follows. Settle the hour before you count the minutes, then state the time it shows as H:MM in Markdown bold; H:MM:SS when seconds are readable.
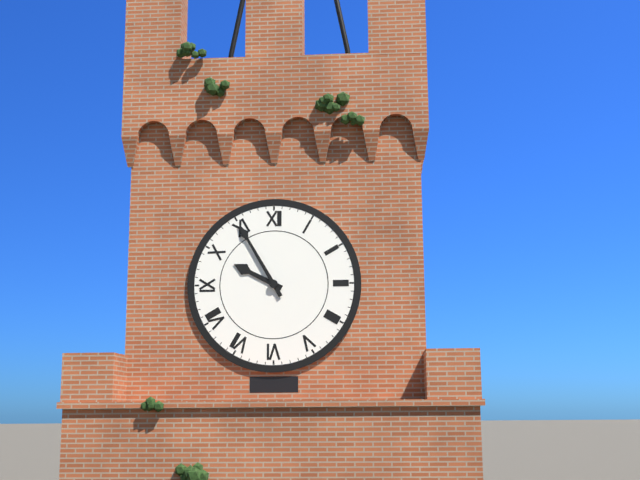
**9:55**
